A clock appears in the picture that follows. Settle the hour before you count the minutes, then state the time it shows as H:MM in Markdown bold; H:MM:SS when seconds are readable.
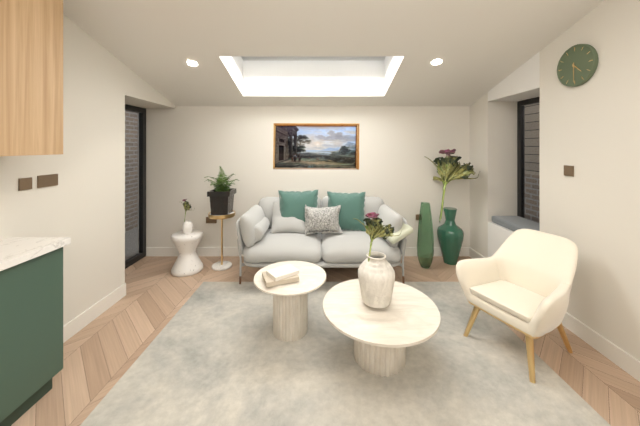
**4:30**
